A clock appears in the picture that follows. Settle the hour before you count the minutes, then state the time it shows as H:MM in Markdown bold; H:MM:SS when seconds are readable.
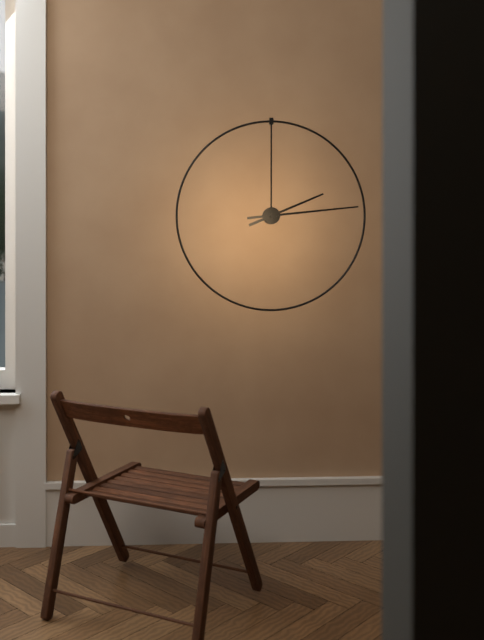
**2:14**
